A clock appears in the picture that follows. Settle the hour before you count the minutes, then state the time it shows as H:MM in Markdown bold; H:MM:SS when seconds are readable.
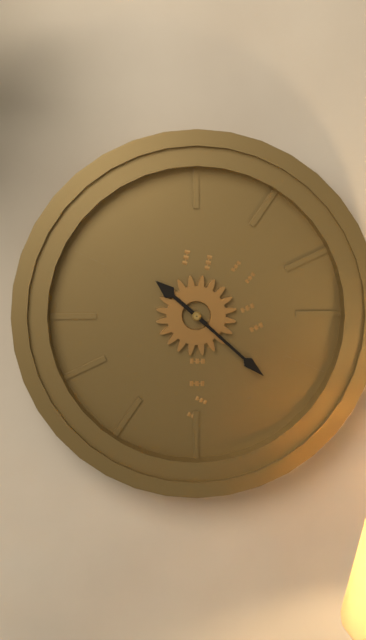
**10:22**
